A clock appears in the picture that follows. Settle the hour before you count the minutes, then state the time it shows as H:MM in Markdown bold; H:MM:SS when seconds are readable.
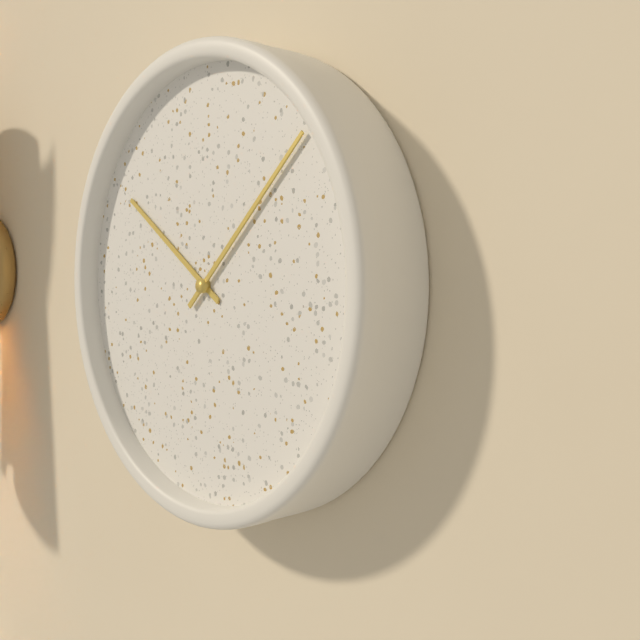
**10:08**
